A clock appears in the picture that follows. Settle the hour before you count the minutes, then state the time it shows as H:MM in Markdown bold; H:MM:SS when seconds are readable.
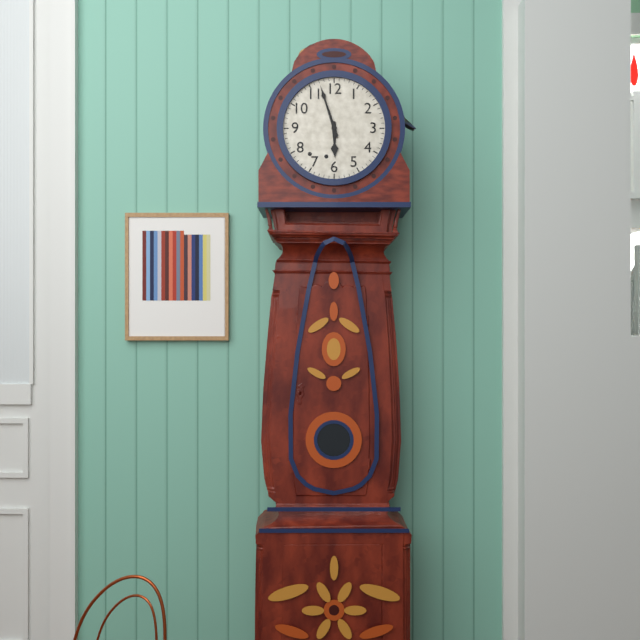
**5:57**
